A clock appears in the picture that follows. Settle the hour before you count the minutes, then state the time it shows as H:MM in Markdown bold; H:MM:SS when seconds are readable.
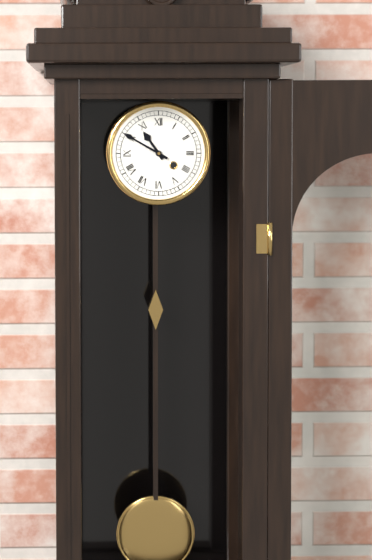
**10:50**
